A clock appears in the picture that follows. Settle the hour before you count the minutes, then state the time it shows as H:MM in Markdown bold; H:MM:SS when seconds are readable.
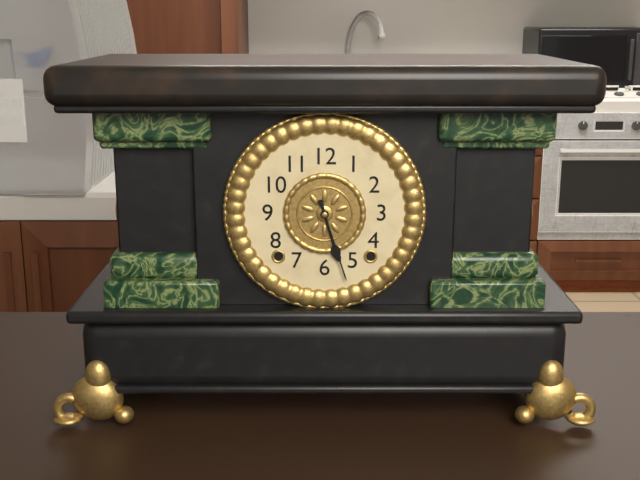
**5:27**
